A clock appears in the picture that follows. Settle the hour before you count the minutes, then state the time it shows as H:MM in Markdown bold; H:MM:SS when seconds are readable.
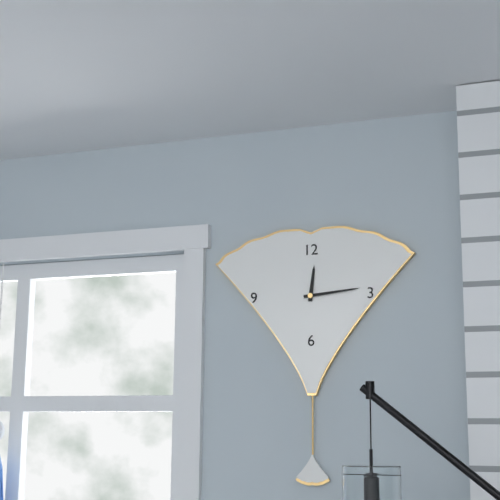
**12:14**
